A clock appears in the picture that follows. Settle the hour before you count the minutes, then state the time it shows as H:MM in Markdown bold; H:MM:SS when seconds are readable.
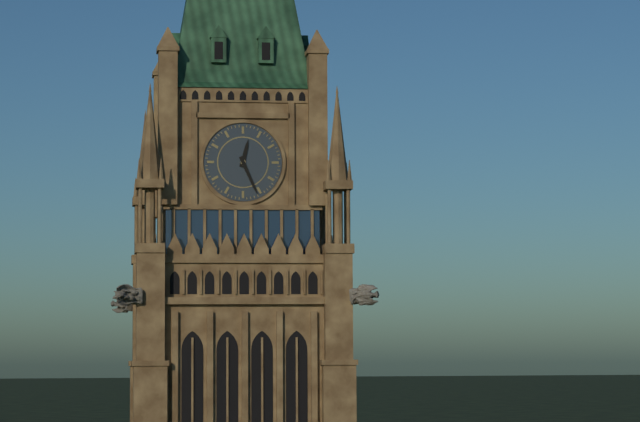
**12:26**
